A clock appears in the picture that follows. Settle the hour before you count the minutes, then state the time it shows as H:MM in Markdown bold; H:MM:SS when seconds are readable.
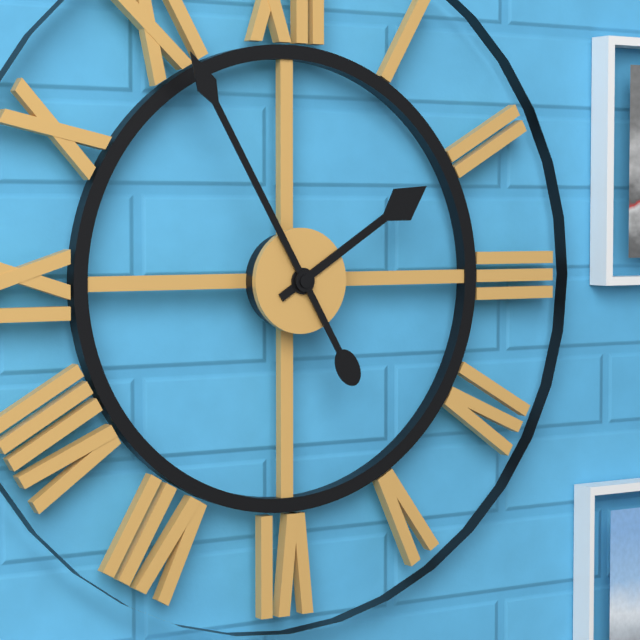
**1:55**
